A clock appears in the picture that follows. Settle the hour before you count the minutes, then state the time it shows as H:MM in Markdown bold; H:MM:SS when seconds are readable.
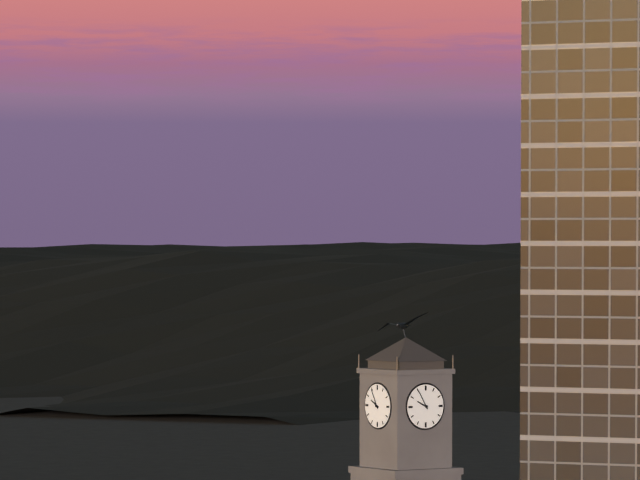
**9:55**
